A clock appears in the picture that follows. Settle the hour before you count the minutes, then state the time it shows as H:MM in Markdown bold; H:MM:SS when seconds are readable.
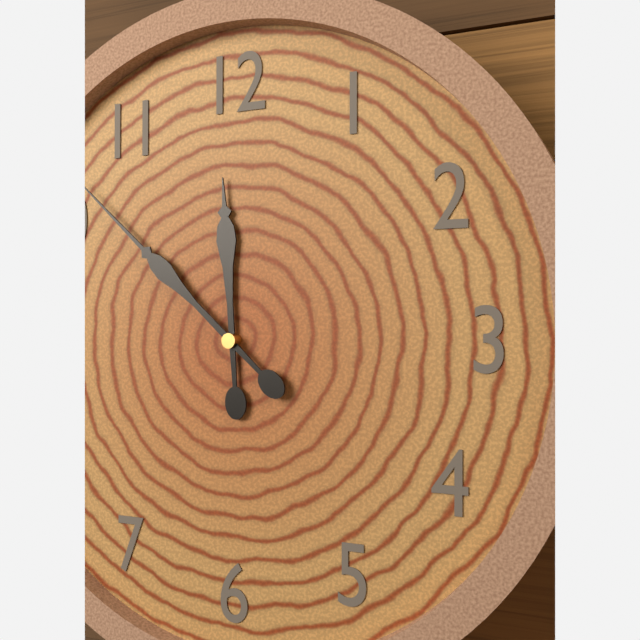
**11:52**
